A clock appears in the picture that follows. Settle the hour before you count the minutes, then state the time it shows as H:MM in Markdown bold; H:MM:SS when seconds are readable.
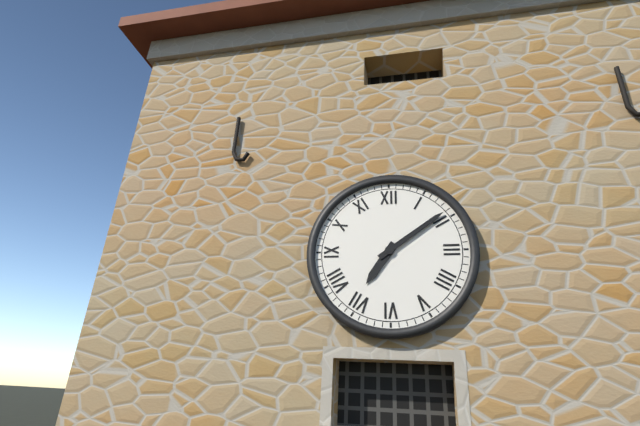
**7:09**
